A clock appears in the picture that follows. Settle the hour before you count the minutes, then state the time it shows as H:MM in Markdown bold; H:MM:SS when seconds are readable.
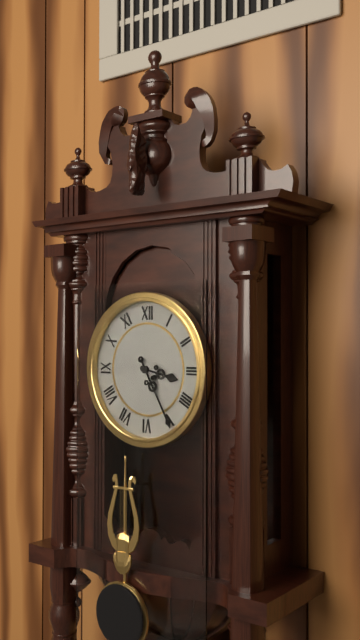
**3:25**
